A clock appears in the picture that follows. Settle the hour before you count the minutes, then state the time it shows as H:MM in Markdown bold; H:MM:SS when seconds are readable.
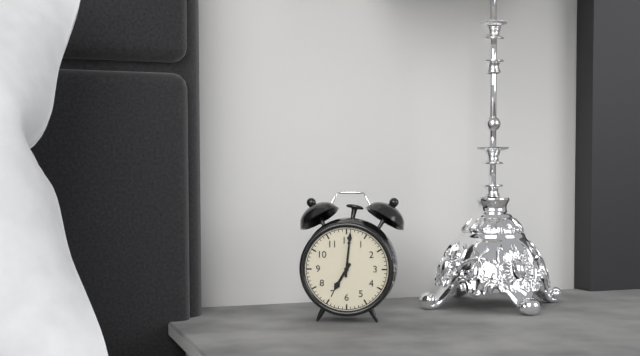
**7:01**
